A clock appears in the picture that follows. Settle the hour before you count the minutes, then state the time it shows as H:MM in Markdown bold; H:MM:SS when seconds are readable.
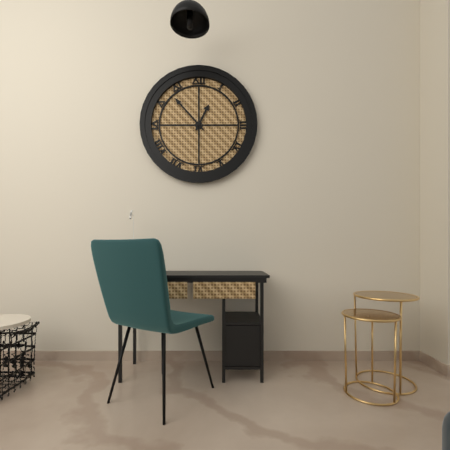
**12:53**
